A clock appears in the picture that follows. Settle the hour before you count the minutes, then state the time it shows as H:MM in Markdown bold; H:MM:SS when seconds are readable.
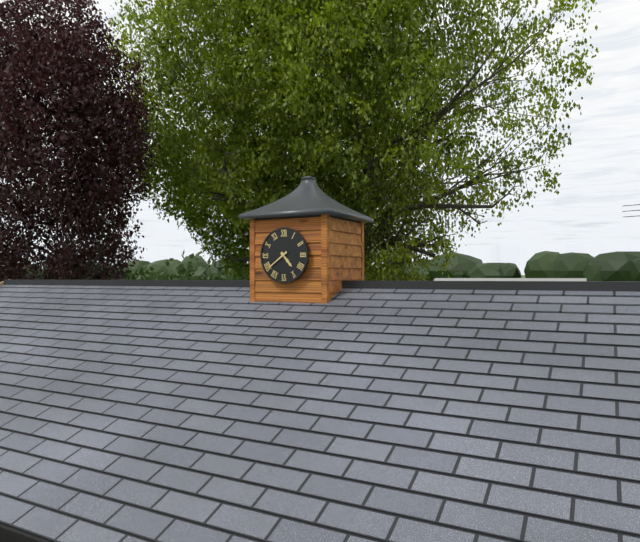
**4:39**
